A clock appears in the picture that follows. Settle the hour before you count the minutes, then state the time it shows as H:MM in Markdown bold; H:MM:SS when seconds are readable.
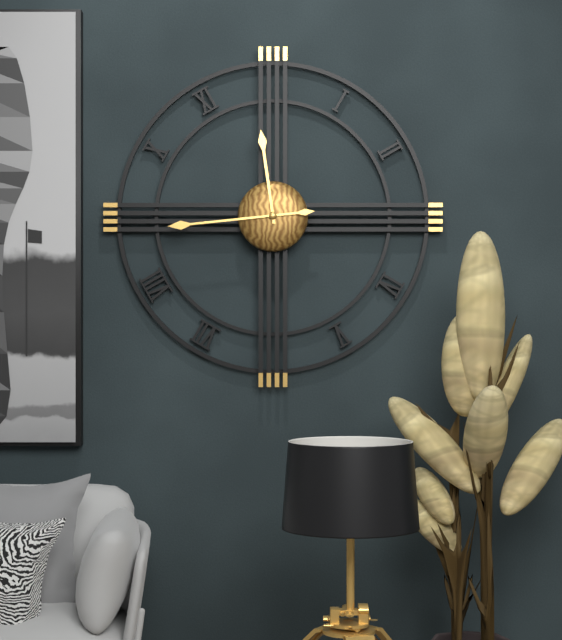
**11:44**
